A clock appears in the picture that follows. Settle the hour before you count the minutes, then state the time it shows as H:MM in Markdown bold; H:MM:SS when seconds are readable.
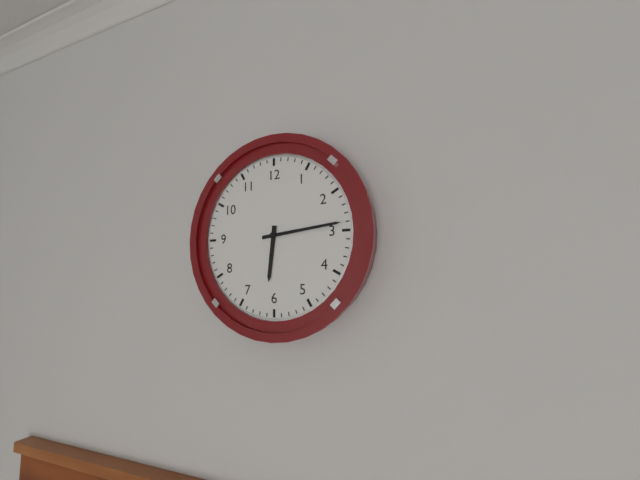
**6:14**
